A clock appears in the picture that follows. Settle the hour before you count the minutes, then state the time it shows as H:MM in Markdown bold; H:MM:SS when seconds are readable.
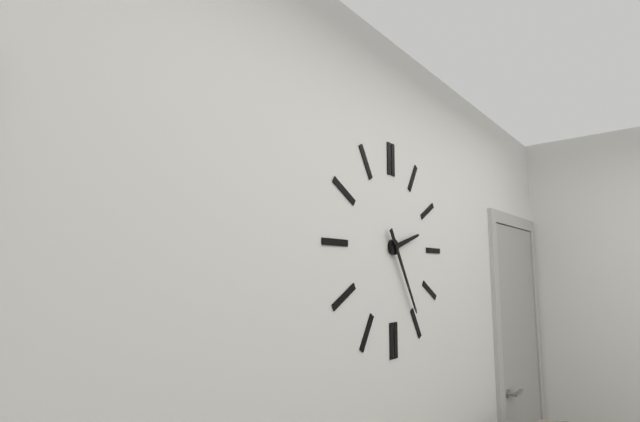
**2:25**
